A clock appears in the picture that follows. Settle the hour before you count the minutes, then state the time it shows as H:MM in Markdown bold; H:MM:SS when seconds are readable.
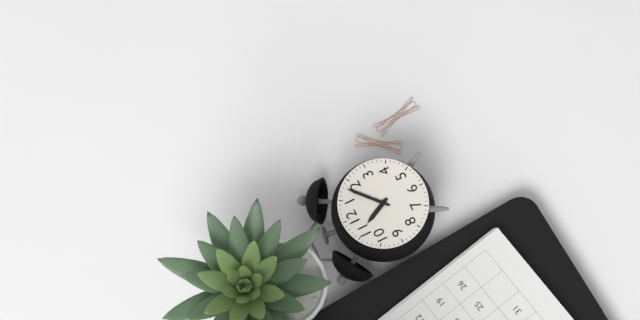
**11:08**
